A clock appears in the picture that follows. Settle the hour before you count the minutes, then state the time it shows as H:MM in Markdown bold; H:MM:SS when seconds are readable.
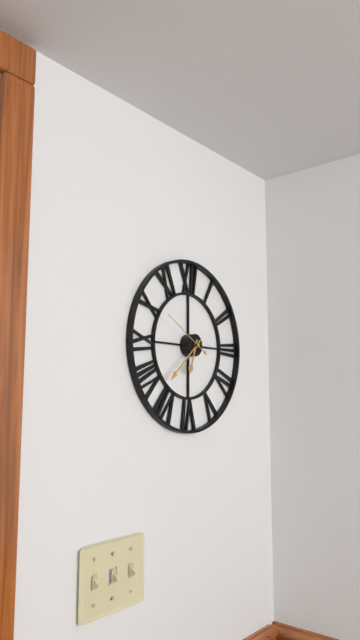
**6:38**
